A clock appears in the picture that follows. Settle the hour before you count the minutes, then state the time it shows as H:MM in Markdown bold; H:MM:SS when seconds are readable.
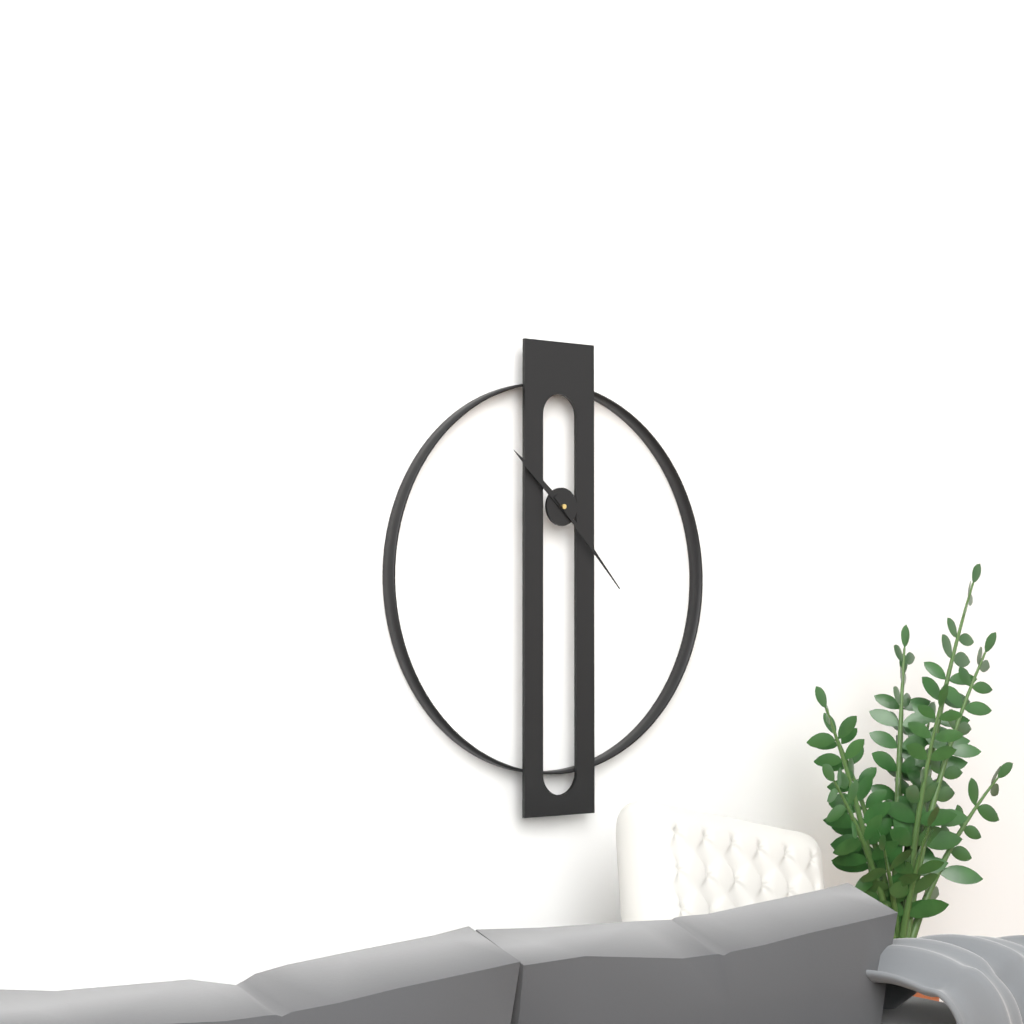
**10:23**
